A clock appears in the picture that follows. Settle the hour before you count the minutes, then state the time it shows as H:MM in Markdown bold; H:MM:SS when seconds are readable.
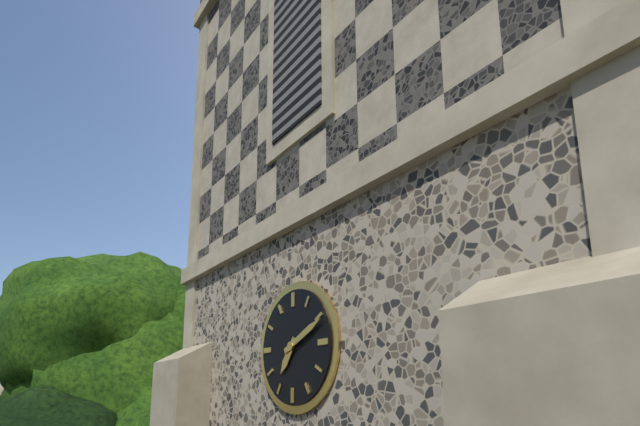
**7:11**
